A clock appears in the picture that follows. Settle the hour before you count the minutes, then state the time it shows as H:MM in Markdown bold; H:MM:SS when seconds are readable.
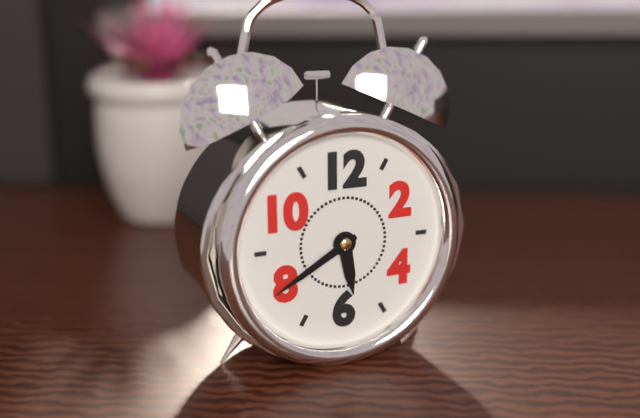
**5:40**
